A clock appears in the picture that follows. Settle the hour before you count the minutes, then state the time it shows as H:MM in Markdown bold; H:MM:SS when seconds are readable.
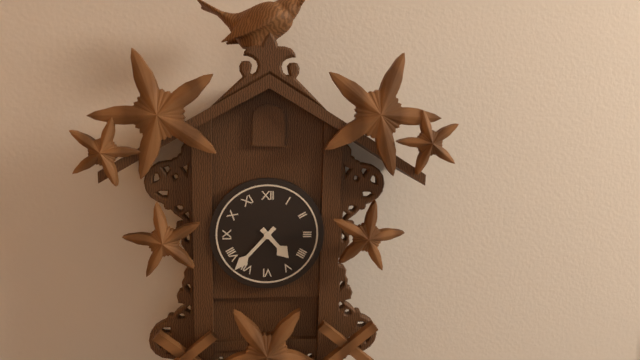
**4:37**
